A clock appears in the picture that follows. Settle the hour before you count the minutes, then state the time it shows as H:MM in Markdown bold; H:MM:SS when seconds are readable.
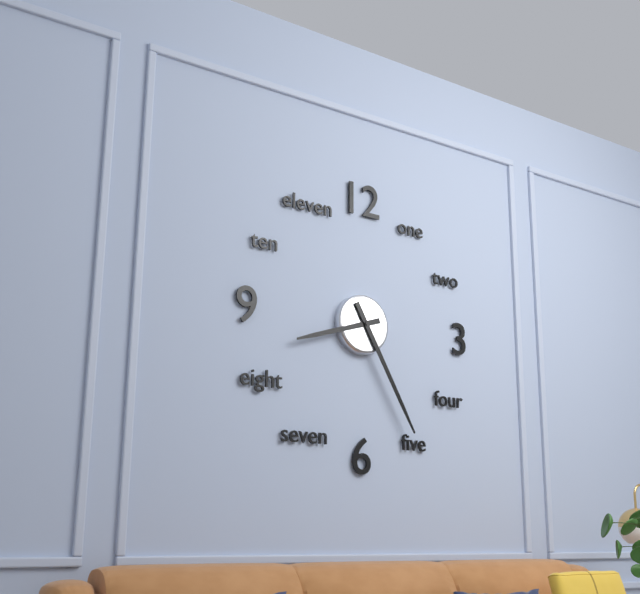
**8:25**
